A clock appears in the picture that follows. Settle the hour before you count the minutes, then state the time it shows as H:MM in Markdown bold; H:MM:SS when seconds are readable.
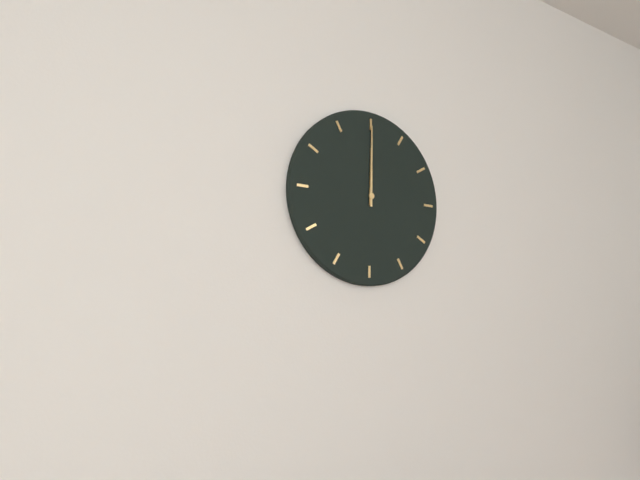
**12:00**
